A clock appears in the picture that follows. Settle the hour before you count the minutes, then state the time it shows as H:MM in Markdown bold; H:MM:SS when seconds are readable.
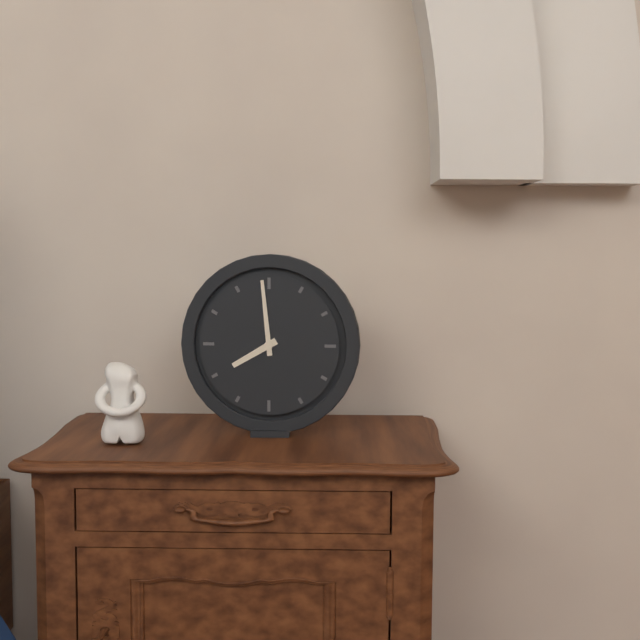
**7:59**
